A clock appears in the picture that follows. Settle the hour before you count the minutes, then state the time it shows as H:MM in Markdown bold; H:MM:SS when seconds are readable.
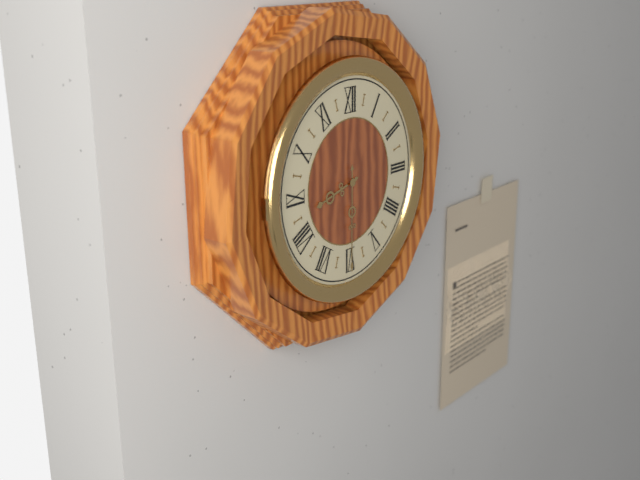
**8:30**
